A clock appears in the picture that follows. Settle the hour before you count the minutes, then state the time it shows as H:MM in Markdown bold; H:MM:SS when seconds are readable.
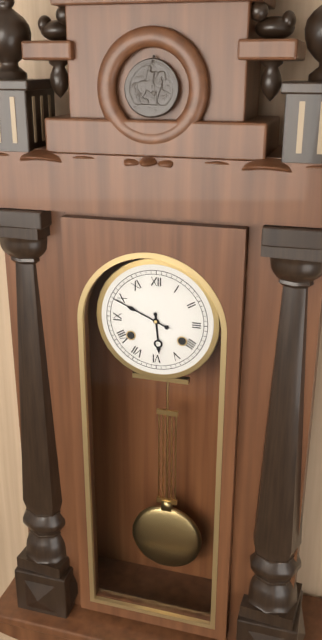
**5:49**
